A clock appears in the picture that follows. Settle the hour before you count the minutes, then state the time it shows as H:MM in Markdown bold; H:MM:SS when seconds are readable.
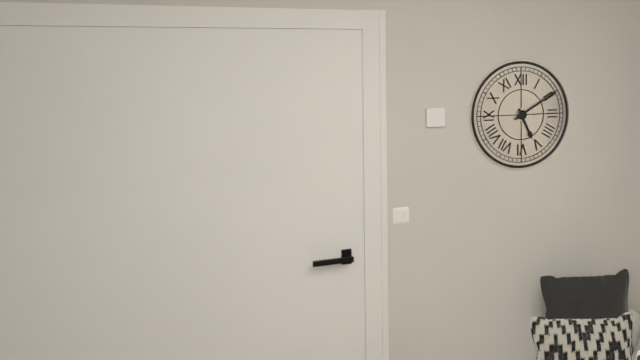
**5:10**
